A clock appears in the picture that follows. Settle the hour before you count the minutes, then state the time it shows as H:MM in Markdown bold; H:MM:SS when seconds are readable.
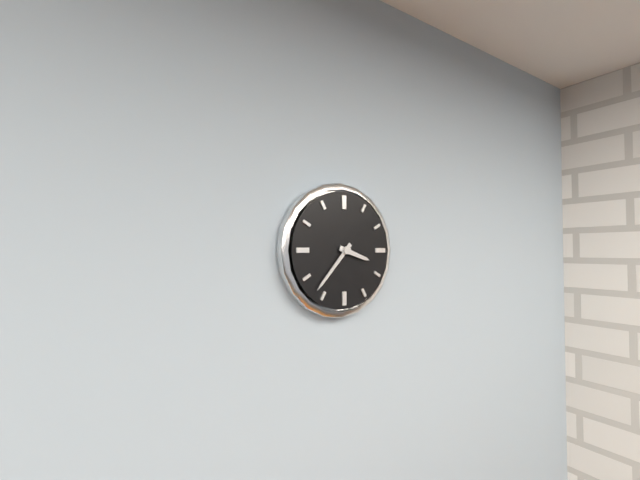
**3:37**
